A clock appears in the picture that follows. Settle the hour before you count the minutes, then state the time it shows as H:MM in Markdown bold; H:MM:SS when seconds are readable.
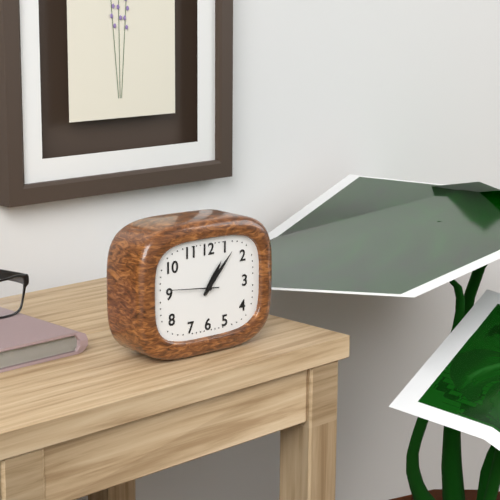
**1:07**
